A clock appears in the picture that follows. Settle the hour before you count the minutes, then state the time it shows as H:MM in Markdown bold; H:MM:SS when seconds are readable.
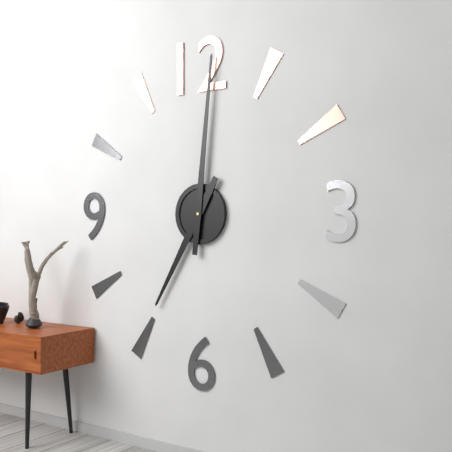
**7:01**
